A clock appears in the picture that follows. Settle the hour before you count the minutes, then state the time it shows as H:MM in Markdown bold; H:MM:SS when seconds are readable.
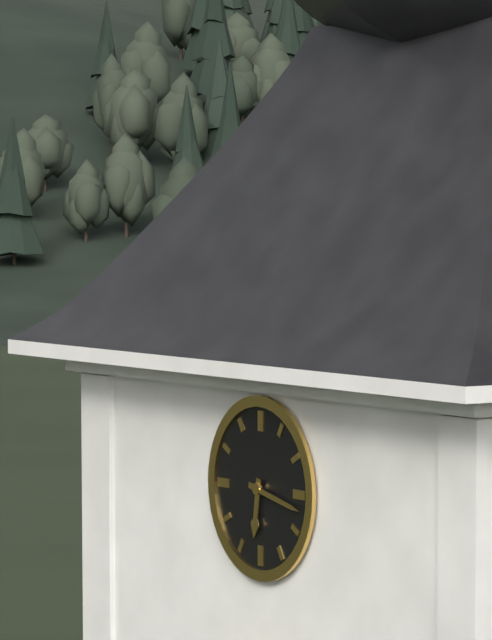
**6:17**
